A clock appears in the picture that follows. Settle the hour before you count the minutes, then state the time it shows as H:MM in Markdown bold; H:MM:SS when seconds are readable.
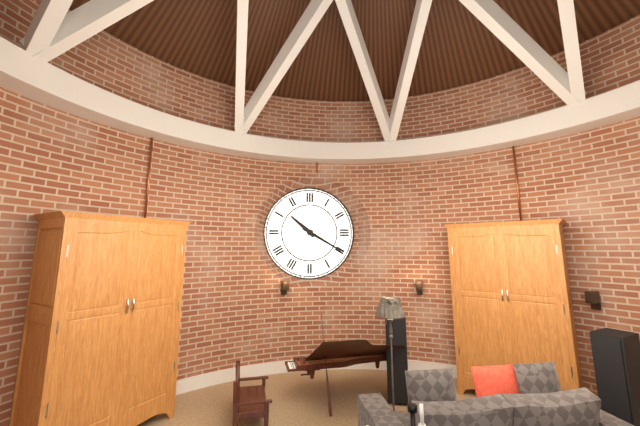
**10:20**
